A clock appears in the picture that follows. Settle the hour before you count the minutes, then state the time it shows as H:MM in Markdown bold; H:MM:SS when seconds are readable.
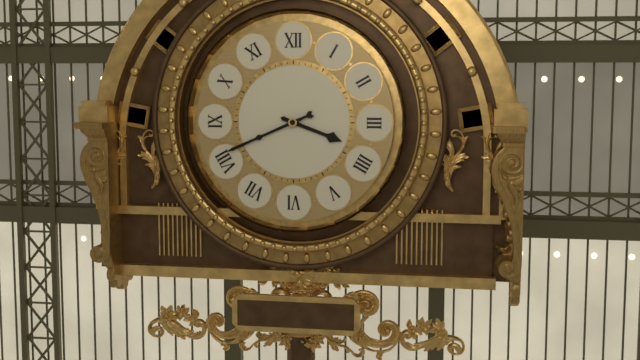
**3:41**
